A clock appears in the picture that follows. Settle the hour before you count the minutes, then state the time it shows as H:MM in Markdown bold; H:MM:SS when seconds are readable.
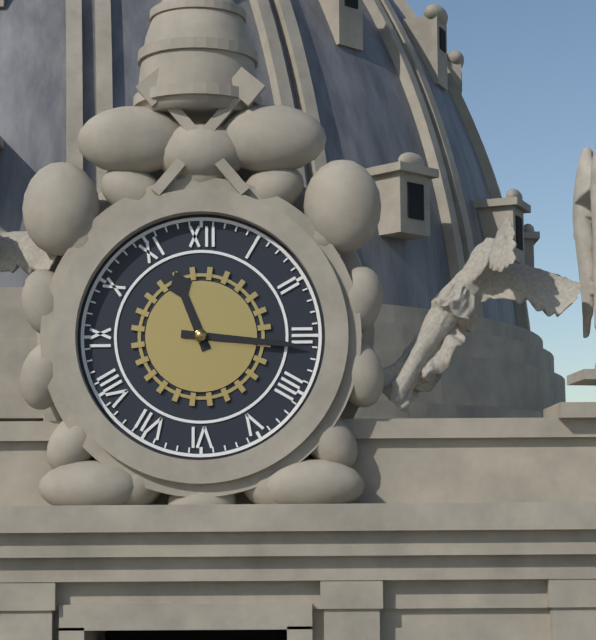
**11:16**
